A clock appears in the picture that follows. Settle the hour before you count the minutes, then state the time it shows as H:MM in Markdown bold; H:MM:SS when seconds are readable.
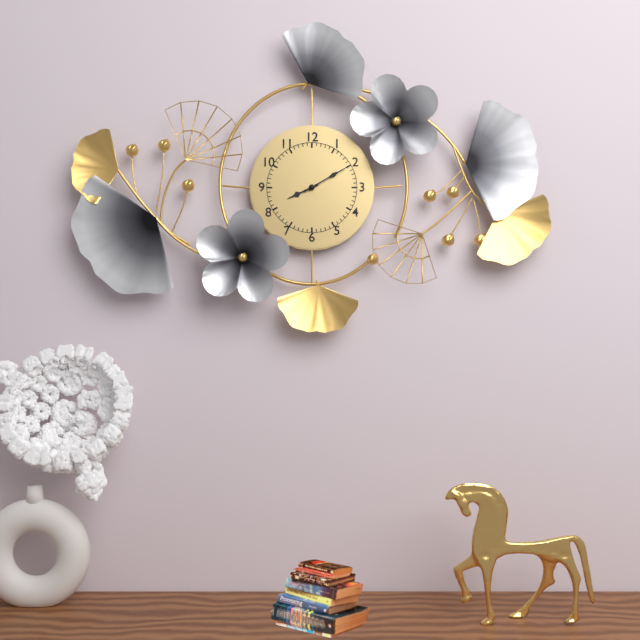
**8:10**
